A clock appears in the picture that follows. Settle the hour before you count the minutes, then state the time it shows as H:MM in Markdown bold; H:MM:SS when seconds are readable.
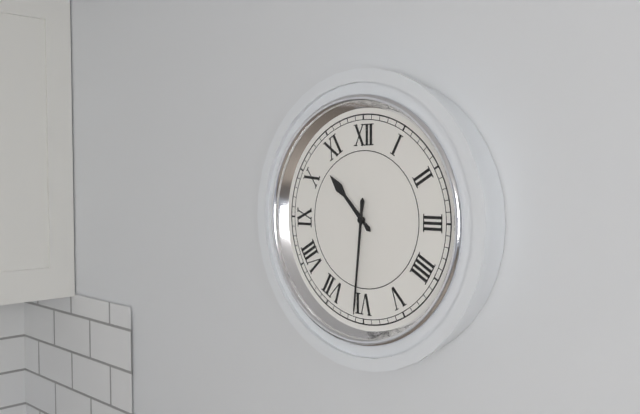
**10:31**
